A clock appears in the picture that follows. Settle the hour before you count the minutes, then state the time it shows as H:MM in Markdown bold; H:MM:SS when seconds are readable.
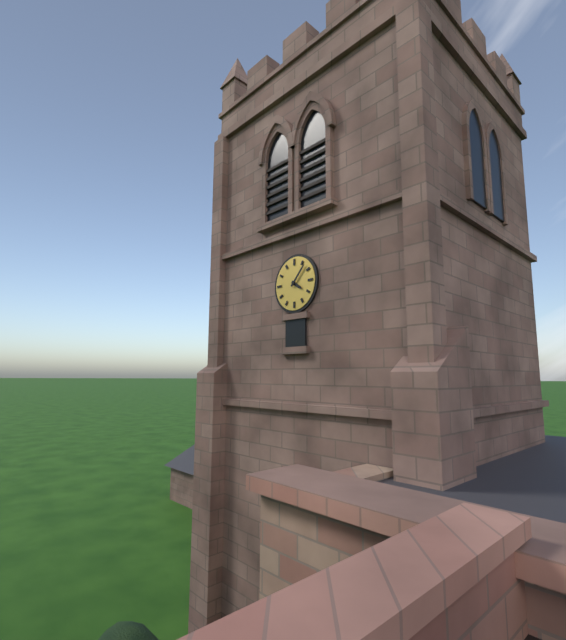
**4:07**
